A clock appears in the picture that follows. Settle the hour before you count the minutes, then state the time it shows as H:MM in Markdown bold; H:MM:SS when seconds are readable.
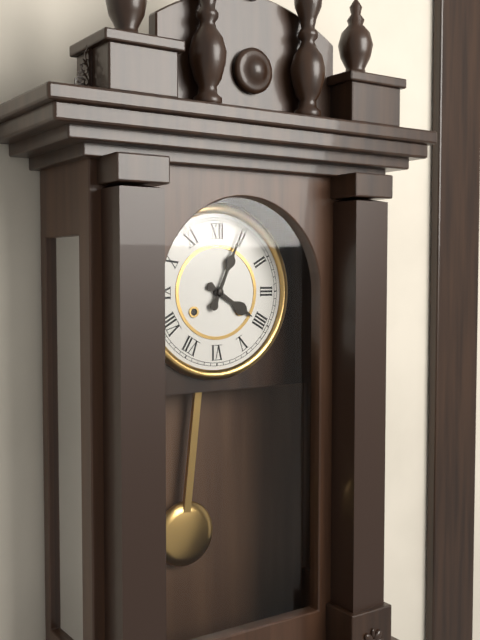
**4:04**
